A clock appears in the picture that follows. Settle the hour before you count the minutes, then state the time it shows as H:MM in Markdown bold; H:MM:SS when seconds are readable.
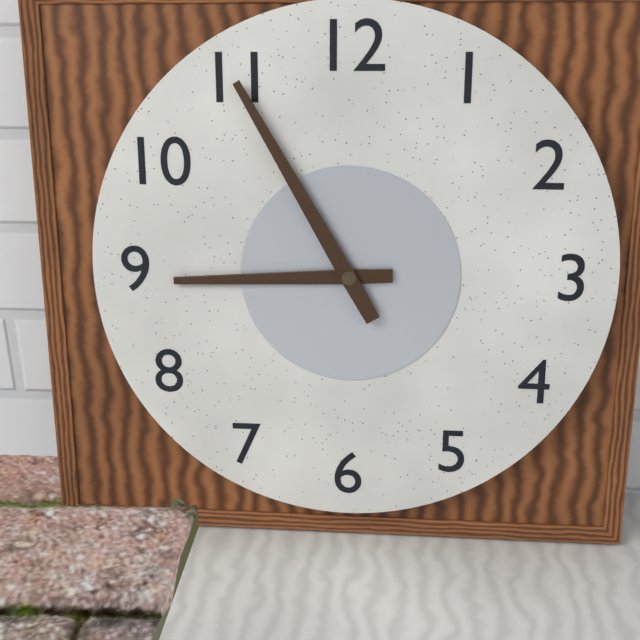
**8:55**
